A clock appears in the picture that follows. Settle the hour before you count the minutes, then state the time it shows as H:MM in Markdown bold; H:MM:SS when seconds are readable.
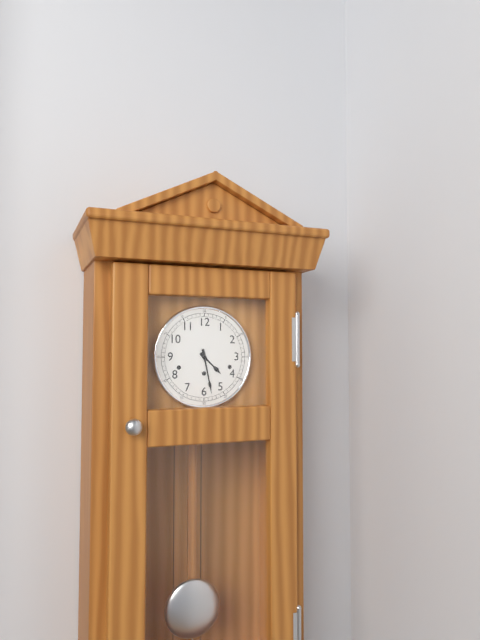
**4:28**
